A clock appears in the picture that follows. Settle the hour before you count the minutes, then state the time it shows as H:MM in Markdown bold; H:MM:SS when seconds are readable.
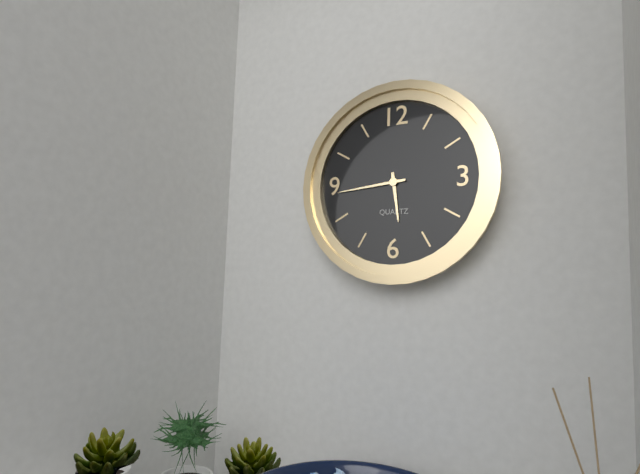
**5:44**
